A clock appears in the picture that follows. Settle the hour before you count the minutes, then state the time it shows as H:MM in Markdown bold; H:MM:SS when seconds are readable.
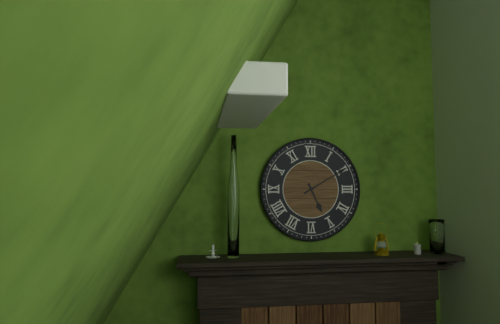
**5:10**
